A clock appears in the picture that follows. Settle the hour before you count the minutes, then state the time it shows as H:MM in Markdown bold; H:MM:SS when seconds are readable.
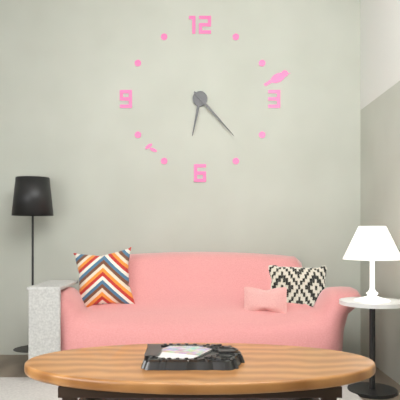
**6:23**
